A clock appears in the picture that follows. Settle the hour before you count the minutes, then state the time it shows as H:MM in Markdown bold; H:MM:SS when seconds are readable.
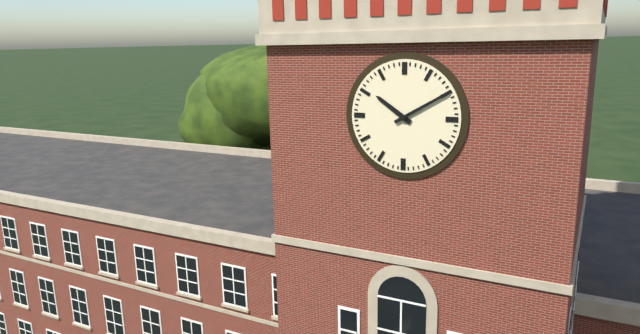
**10:10**
